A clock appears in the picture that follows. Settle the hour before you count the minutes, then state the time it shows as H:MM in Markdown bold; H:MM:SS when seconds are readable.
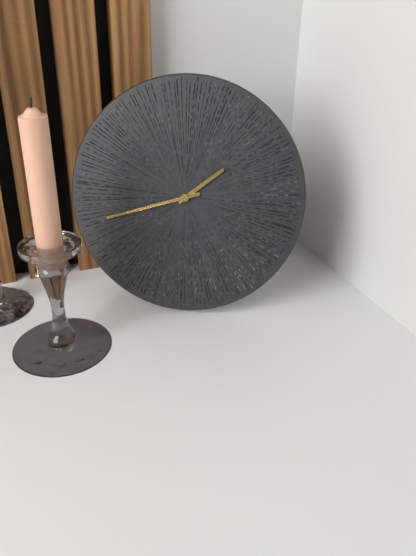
**1:42**
